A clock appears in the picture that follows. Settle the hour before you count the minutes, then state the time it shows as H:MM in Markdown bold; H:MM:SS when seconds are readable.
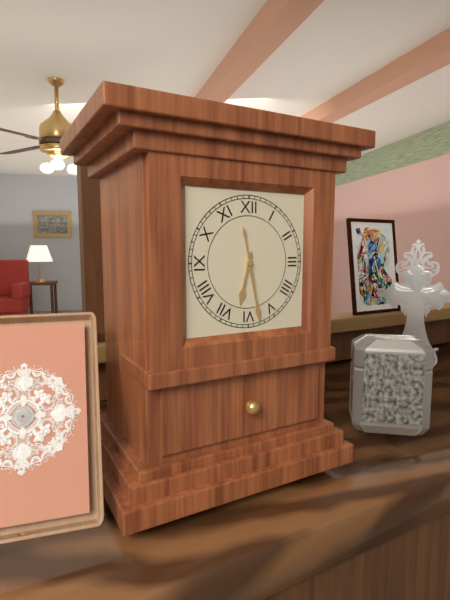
**6:28**
